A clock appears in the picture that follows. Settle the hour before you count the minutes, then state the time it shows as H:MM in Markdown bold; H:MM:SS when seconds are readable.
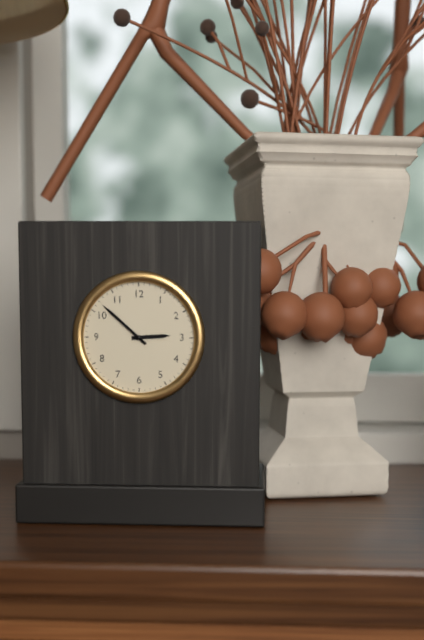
**2:52**
